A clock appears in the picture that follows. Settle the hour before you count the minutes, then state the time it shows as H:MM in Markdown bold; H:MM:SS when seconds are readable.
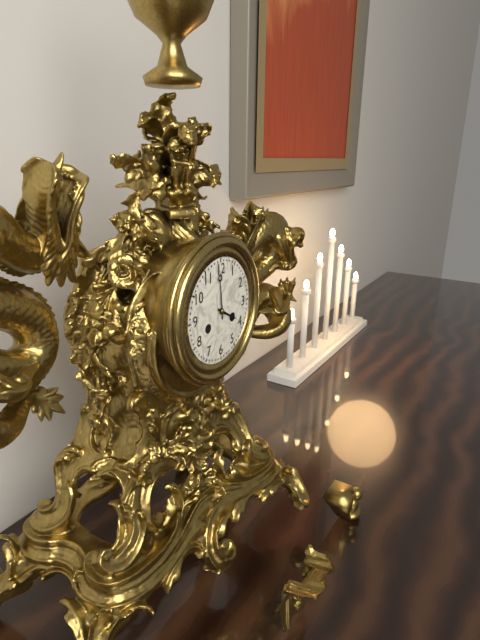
**3:59**
